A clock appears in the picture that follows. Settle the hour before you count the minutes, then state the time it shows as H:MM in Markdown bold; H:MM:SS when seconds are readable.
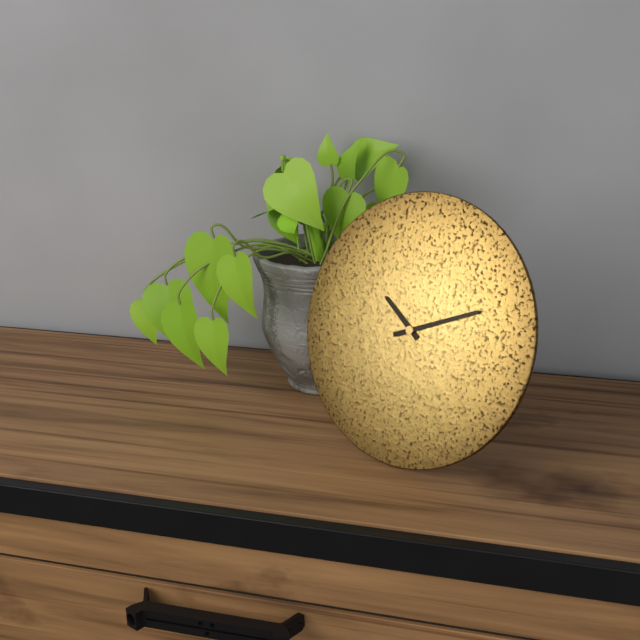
**10:11**
